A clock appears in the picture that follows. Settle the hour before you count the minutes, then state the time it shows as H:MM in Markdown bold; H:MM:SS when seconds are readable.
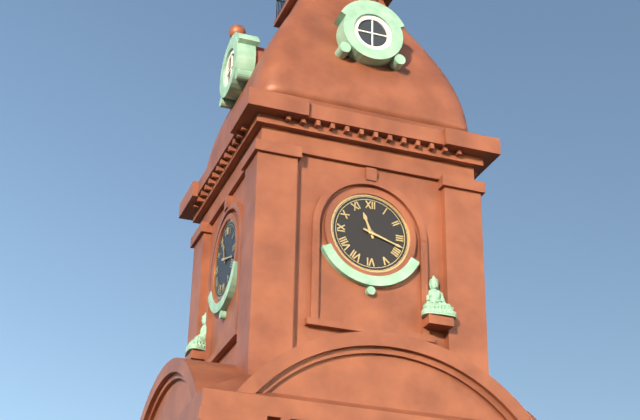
**11:18**
